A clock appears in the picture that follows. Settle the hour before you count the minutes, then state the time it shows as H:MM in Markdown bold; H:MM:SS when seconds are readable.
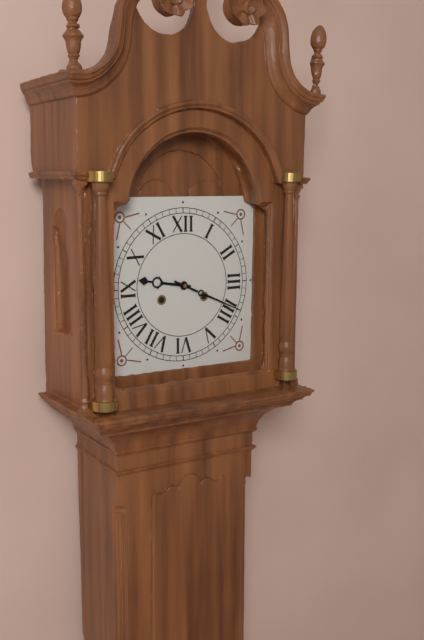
**9:19**
